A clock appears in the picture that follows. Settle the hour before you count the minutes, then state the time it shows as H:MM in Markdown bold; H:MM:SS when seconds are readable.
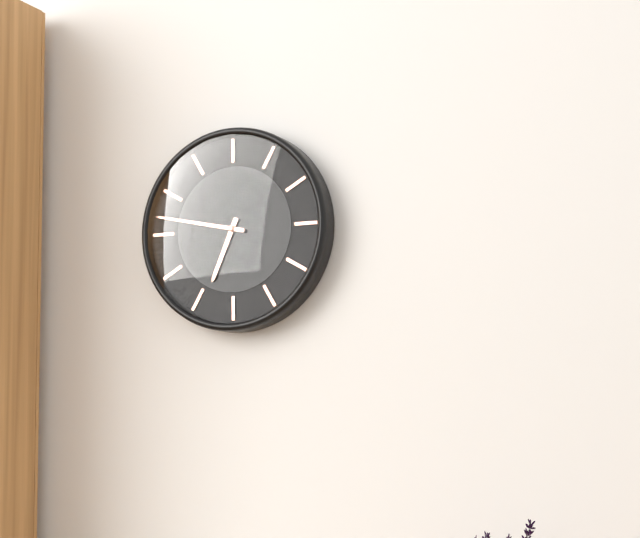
**6:47**
